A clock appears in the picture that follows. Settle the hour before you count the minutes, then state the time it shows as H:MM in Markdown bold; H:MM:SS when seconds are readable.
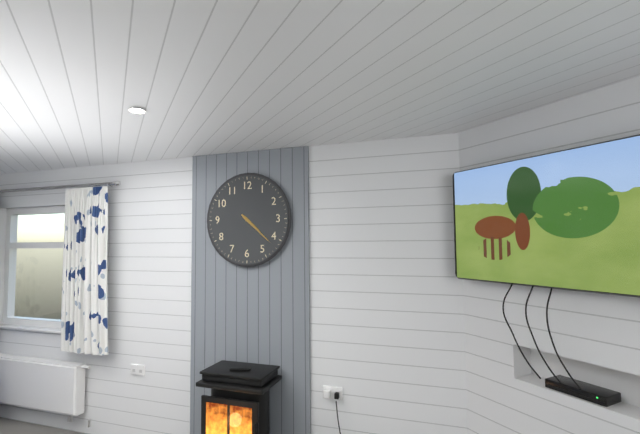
**4:22**
